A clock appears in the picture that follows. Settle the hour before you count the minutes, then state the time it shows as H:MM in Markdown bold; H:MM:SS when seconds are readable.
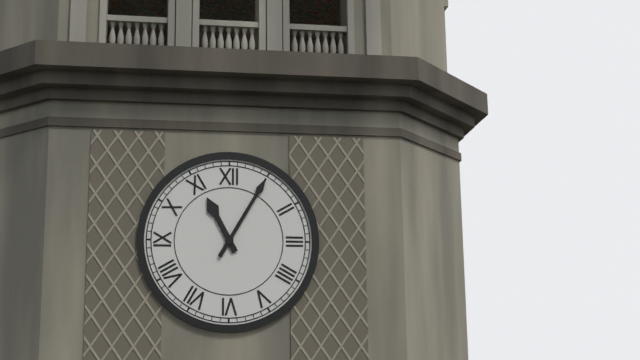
**11:05**
